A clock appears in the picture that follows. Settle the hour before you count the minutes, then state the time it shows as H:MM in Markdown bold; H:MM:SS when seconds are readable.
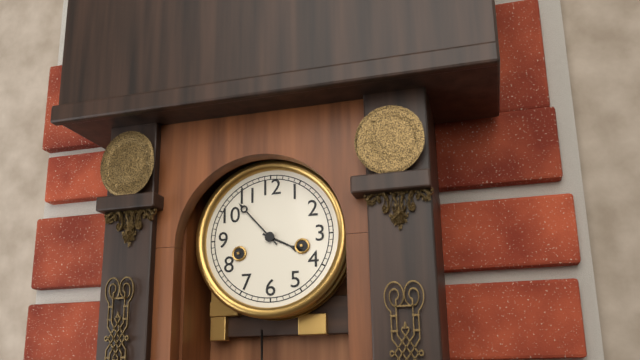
**3:53**
